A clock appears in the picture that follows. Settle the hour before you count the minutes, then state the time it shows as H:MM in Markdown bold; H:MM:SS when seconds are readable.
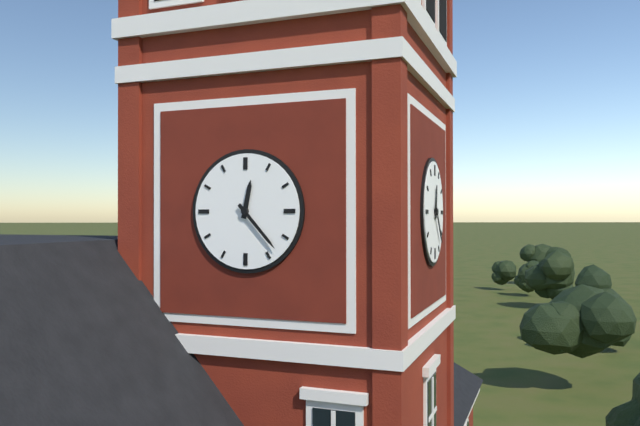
**12:23**
